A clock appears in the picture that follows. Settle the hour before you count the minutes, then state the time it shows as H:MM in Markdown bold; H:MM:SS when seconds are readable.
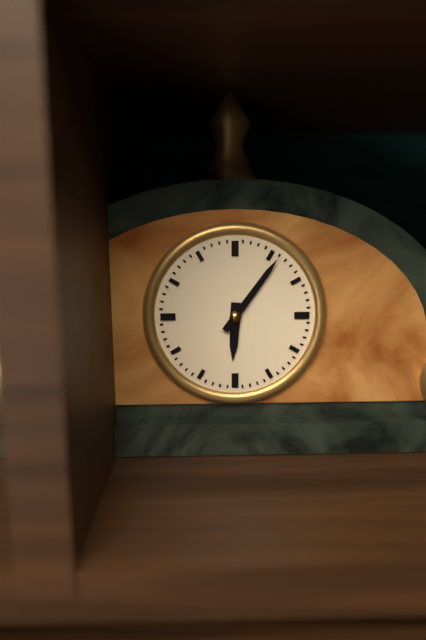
**6:06**
